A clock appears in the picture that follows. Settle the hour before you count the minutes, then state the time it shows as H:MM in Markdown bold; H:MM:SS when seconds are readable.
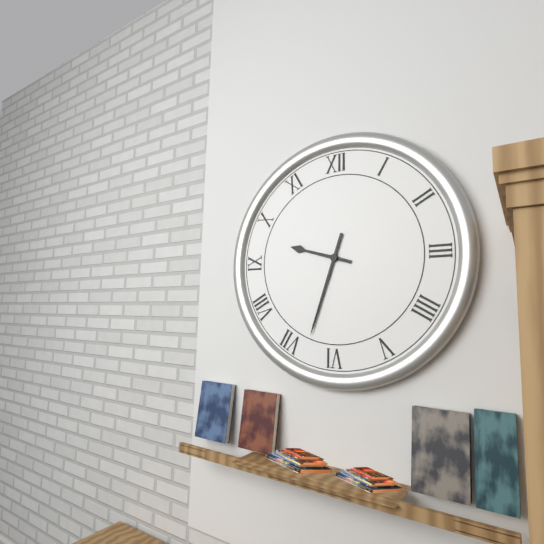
**9:33**
